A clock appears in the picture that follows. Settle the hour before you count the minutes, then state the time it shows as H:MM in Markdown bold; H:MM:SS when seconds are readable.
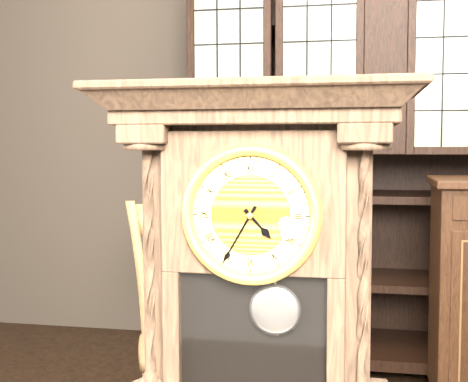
**4:35**
